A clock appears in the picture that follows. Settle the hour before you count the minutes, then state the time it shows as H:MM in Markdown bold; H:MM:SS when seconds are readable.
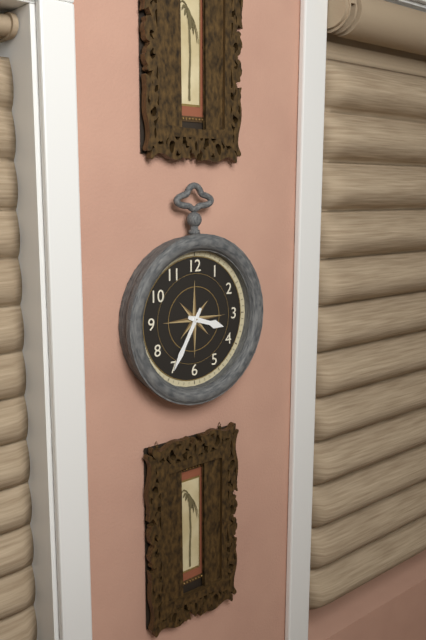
**3:35**
